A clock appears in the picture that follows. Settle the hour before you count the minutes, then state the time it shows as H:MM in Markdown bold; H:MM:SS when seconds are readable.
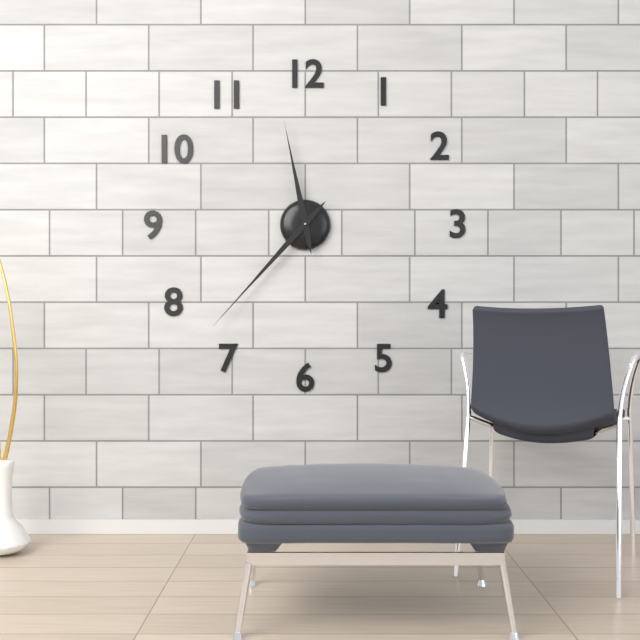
**11:37**
